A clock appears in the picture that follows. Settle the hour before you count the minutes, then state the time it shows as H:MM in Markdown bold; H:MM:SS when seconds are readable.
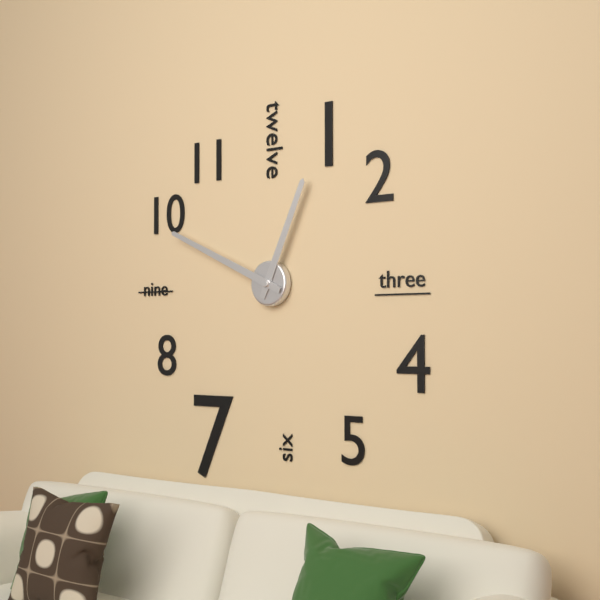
**12:49**
